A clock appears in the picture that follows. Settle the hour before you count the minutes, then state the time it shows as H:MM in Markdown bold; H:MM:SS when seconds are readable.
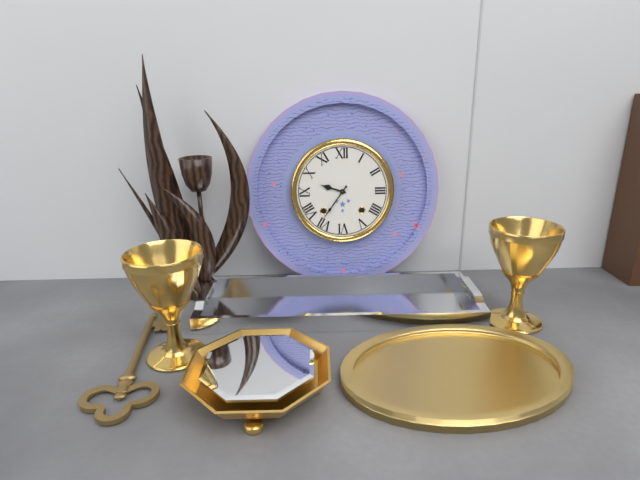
**9:36**
